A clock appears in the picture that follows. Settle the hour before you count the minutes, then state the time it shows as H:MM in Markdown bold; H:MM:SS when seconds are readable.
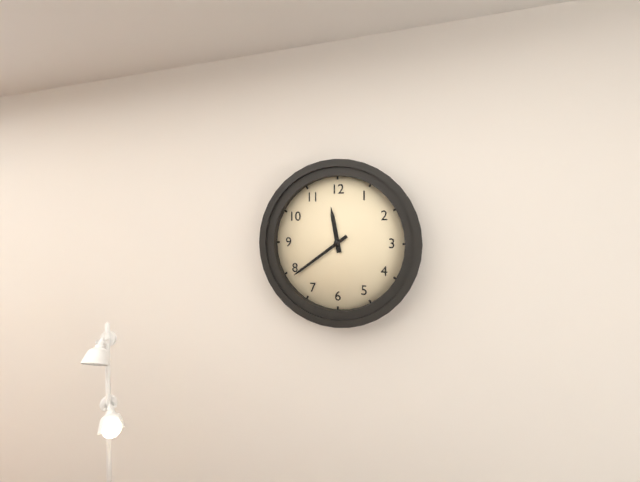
**11:39**
